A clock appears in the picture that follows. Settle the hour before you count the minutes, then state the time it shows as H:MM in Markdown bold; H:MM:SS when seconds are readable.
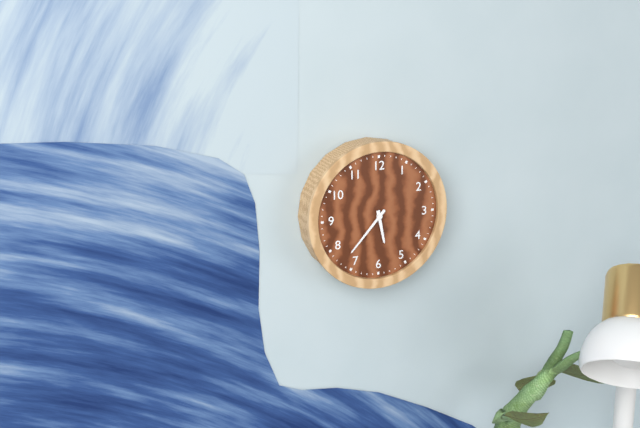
**5:37**
